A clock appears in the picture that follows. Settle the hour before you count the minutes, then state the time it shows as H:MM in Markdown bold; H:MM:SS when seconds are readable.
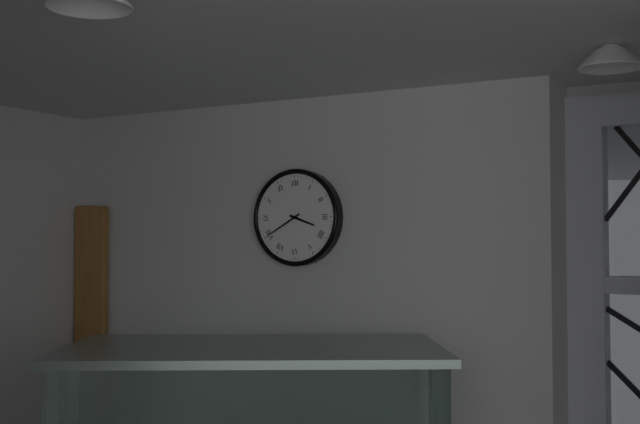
**3:40**
